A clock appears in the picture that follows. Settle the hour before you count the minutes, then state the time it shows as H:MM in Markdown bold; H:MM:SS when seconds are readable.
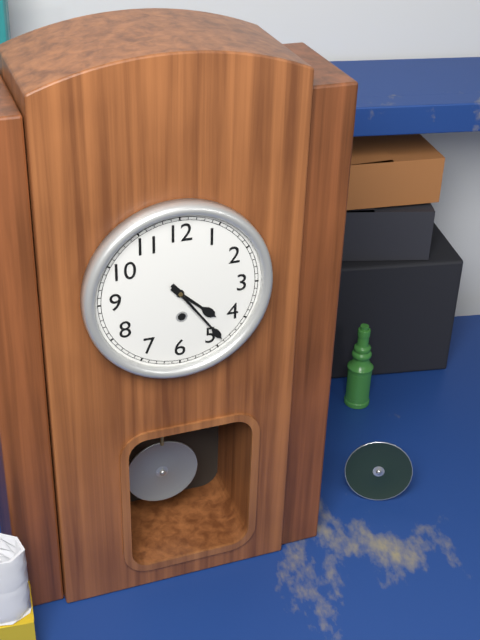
**4:24**
